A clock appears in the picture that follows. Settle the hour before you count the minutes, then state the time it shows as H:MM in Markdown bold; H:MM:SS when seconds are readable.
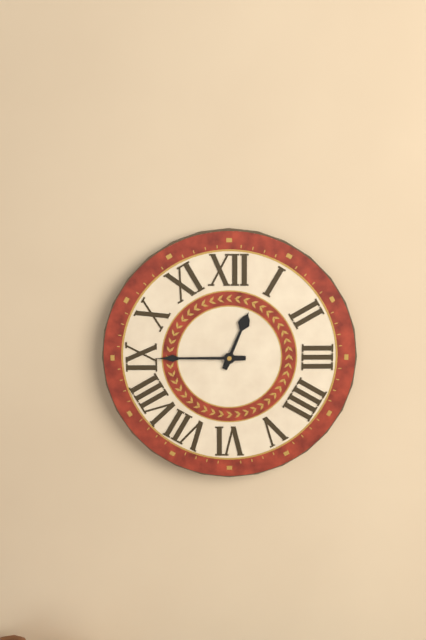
**12:45**
